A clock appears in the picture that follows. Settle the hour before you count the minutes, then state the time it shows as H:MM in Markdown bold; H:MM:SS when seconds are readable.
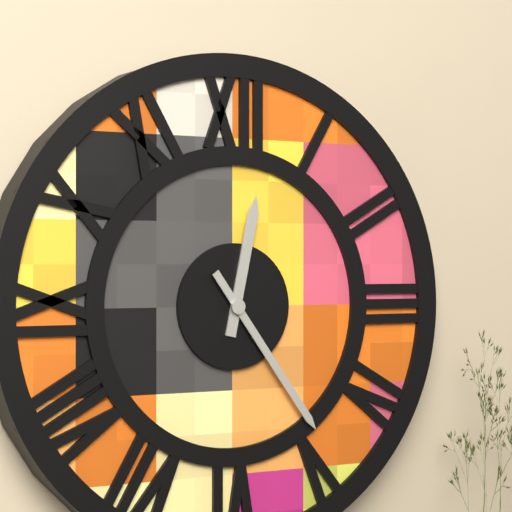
**12:24**
